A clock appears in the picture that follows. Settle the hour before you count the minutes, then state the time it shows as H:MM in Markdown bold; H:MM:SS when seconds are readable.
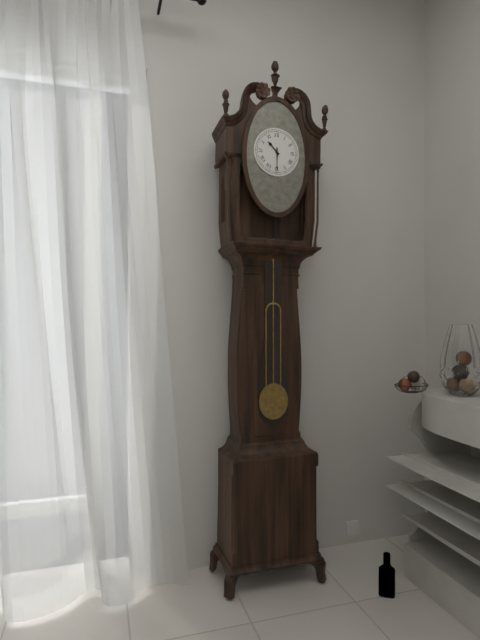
**10:30**
